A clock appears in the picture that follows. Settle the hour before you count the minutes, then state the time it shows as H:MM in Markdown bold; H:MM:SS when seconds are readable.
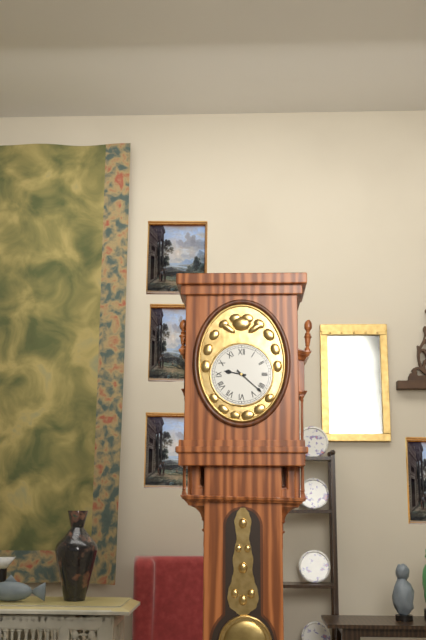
**9:22**
